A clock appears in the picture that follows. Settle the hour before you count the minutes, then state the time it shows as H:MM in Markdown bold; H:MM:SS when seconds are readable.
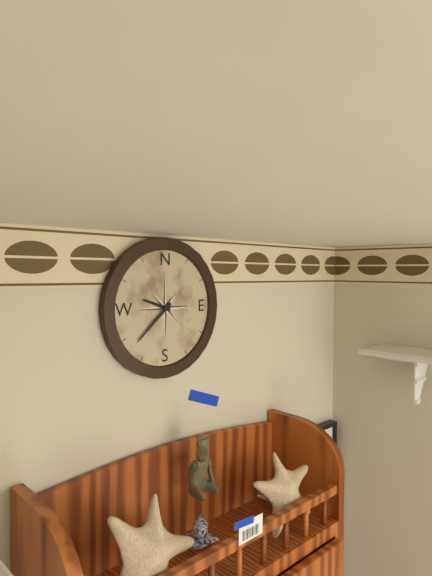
**9:38**
